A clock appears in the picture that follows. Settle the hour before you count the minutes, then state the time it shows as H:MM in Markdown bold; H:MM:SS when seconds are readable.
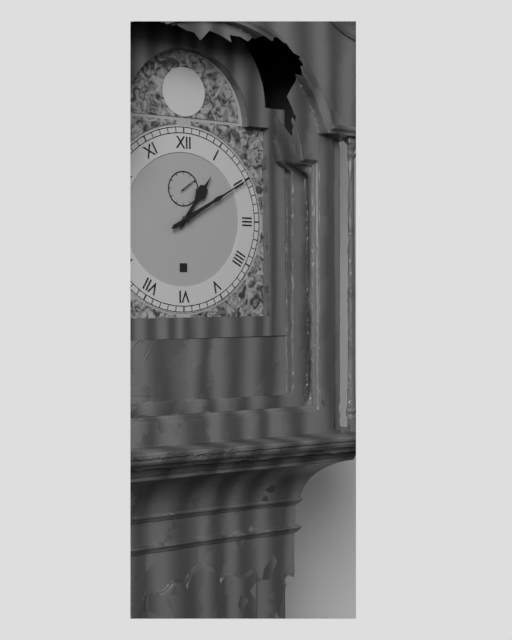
**1:10**
